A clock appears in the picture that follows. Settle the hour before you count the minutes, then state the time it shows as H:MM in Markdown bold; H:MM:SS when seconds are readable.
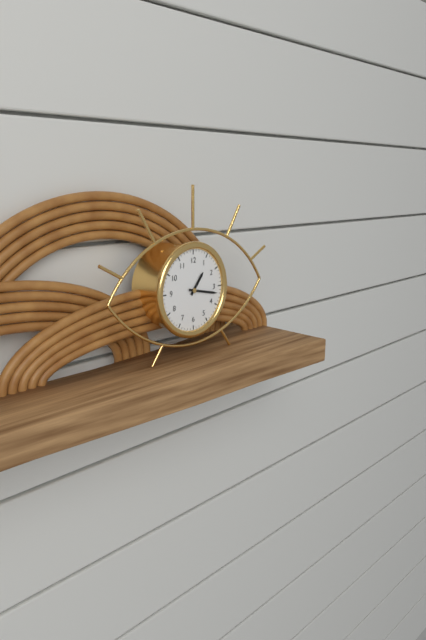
**1:17**
